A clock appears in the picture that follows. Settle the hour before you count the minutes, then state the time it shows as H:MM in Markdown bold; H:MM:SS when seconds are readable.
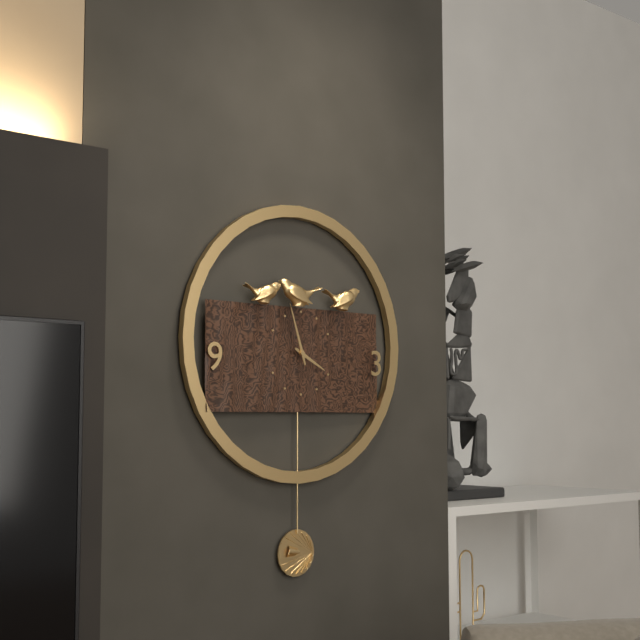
**3:57**
